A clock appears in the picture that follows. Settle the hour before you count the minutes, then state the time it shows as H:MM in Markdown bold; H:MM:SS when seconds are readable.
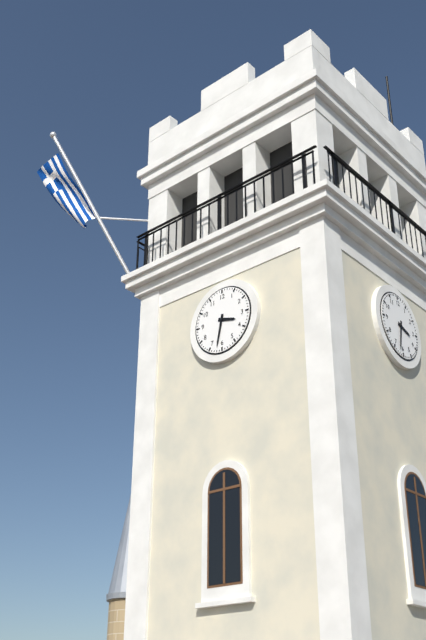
**3:32**
